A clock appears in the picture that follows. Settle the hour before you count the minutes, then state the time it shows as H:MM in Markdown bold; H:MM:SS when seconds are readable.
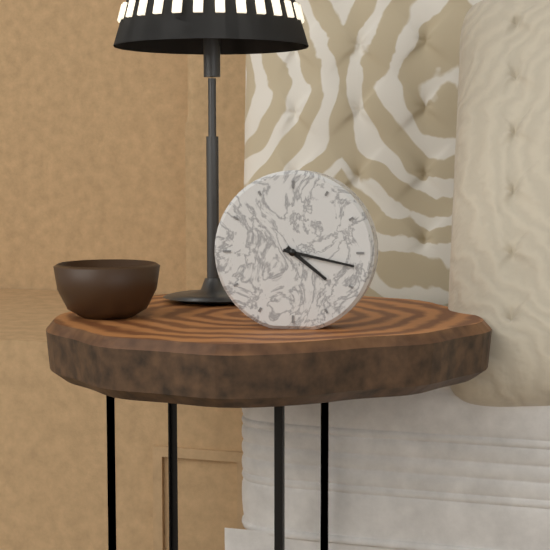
**4:17**
